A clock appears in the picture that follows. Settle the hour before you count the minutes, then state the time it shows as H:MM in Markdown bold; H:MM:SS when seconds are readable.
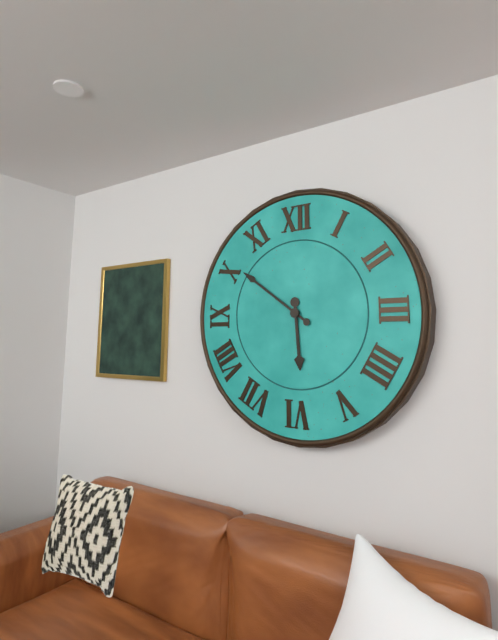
**5:51**
